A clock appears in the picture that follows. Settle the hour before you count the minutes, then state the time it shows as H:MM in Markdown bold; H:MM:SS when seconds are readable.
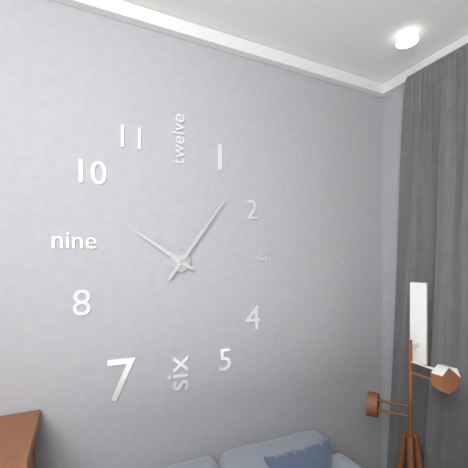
**10:06**
